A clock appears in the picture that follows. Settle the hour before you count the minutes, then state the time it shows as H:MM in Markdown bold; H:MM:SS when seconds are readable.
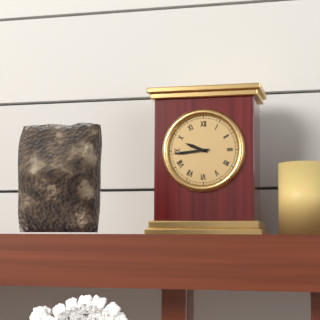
**9:44**
